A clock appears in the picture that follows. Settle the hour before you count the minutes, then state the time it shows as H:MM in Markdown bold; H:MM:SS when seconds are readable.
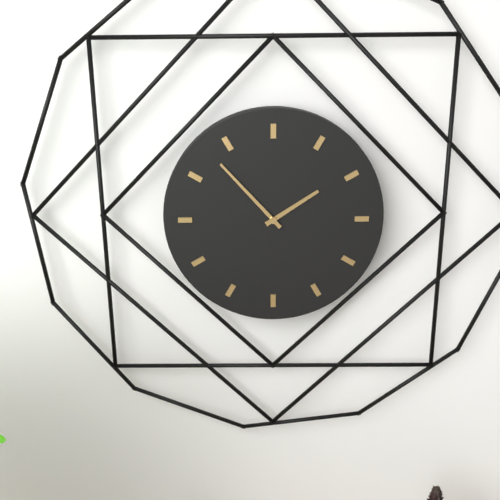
**1:53**
